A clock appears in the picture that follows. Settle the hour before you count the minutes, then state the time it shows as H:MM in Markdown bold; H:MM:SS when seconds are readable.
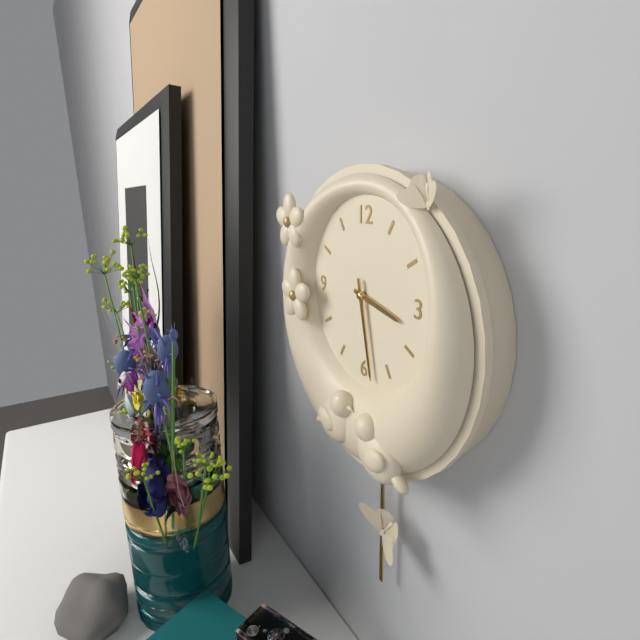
**3:28**
